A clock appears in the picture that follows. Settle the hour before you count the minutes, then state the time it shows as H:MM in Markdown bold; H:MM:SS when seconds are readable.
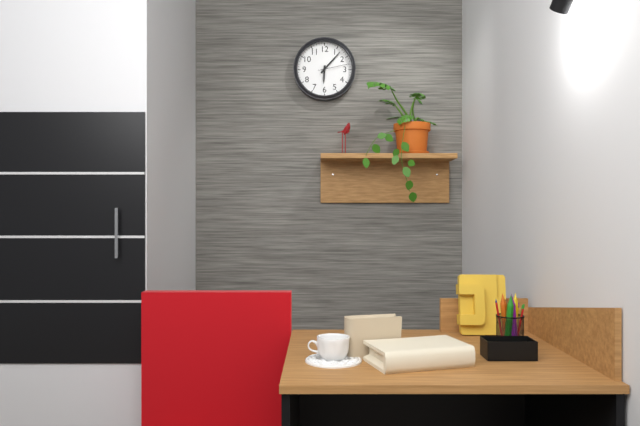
**6:07**
